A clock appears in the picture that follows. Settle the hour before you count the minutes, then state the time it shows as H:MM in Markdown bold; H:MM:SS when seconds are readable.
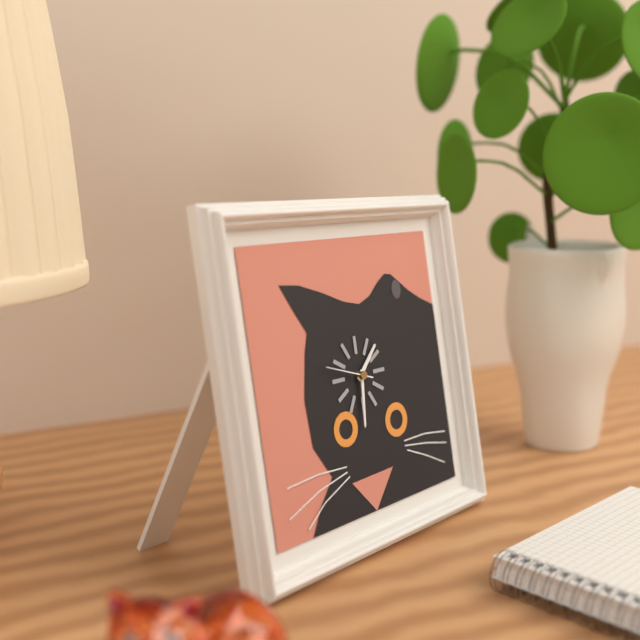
**1:31**
